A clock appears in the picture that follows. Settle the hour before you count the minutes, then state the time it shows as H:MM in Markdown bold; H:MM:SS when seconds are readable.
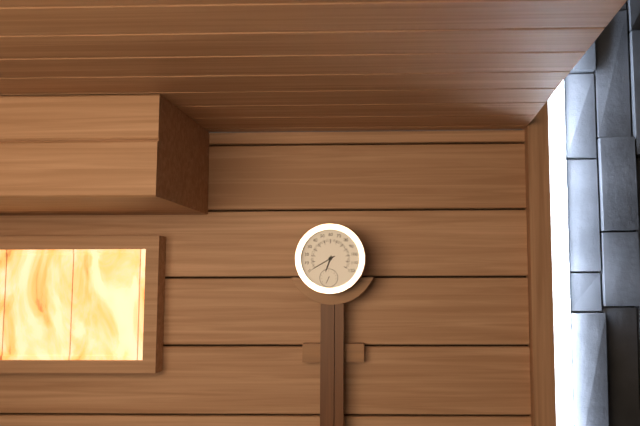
**6:40**
